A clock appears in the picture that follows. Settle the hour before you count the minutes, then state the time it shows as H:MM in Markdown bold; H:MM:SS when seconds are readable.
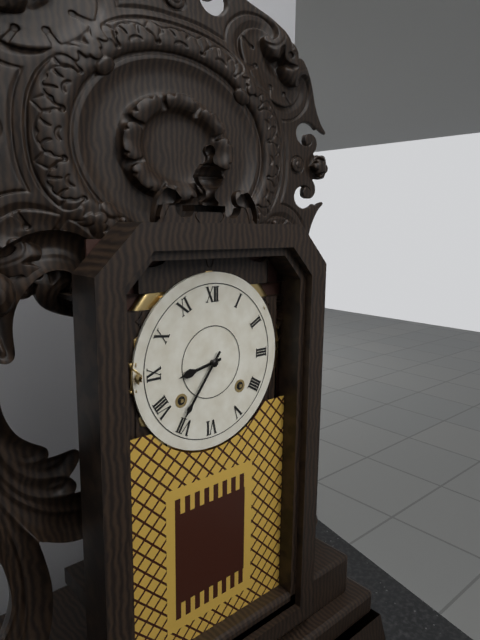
**8:36**
